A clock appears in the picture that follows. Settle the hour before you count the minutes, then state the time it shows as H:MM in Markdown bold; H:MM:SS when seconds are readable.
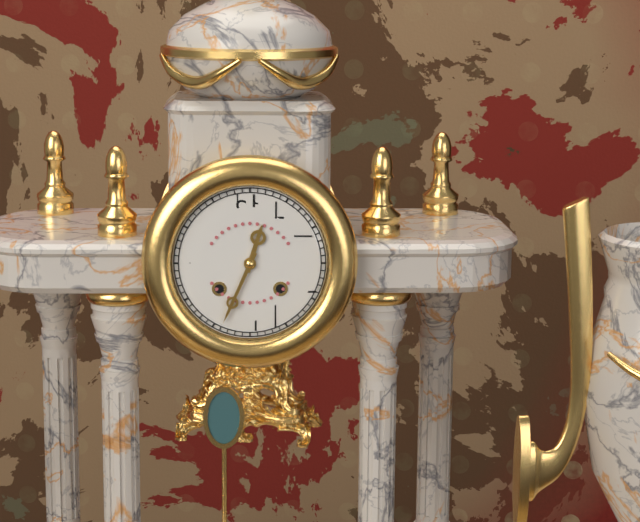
**12:34**
